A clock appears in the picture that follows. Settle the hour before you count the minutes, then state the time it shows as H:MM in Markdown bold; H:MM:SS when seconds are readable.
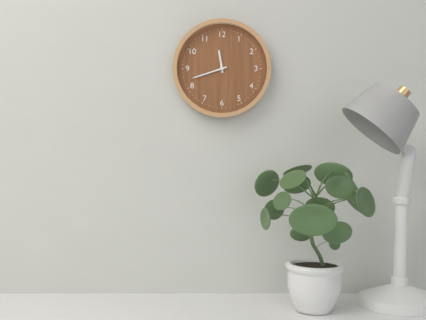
**11:42**
